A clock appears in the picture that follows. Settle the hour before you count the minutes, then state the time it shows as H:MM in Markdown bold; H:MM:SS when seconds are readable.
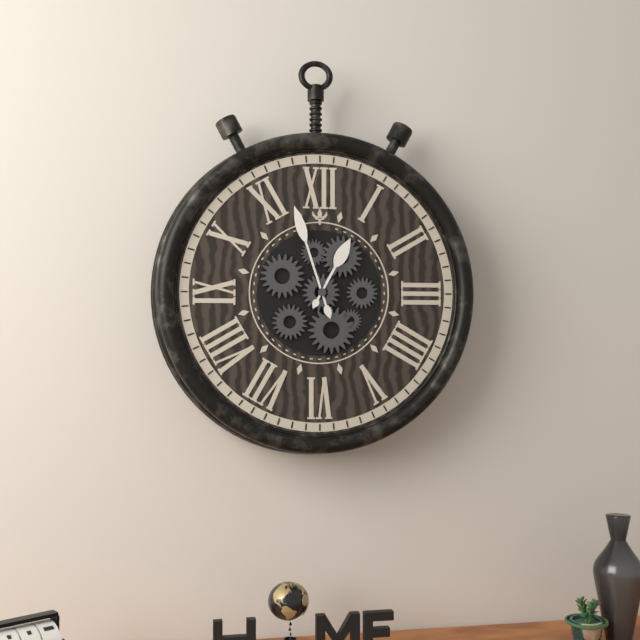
**12:57**
